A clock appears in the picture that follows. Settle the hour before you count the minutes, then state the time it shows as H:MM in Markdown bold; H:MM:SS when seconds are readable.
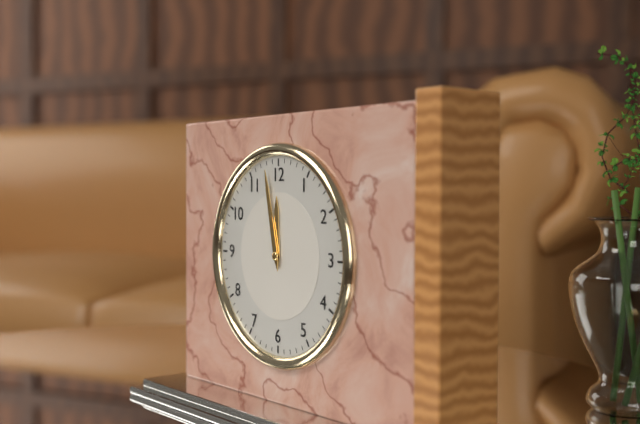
**11:58**
